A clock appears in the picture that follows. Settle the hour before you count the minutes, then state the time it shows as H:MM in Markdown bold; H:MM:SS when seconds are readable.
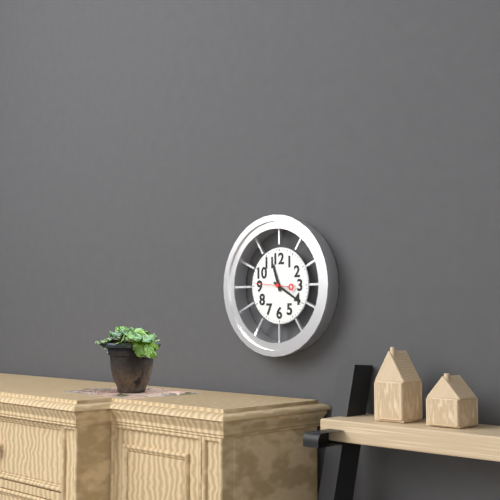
**11:20**
